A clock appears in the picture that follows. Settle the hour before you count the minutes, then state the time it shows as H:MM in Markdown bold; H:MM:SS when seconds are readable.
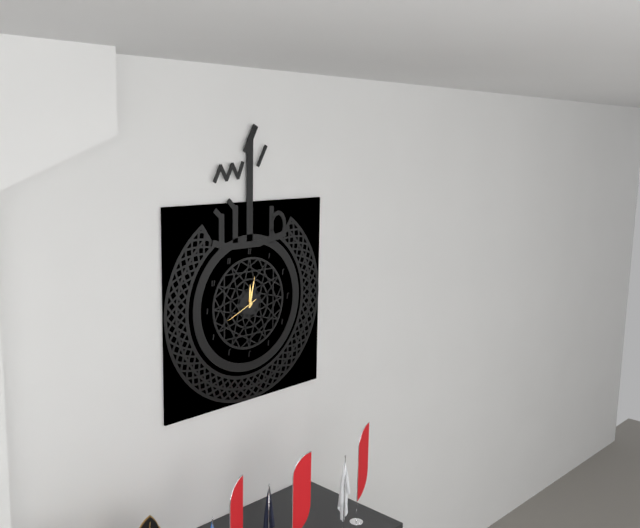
**12:02**
